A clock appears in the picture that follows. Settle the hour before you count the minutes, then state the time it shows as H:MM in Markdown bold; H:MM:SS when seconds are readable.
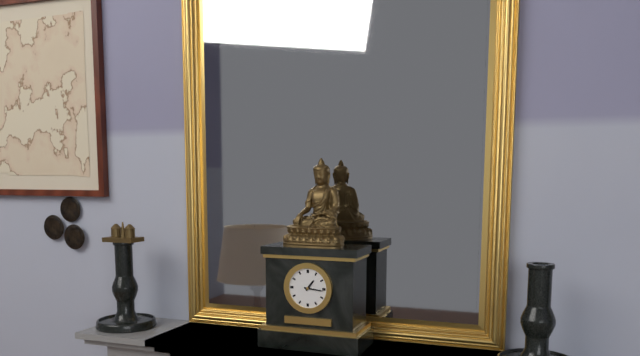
**1:16**
